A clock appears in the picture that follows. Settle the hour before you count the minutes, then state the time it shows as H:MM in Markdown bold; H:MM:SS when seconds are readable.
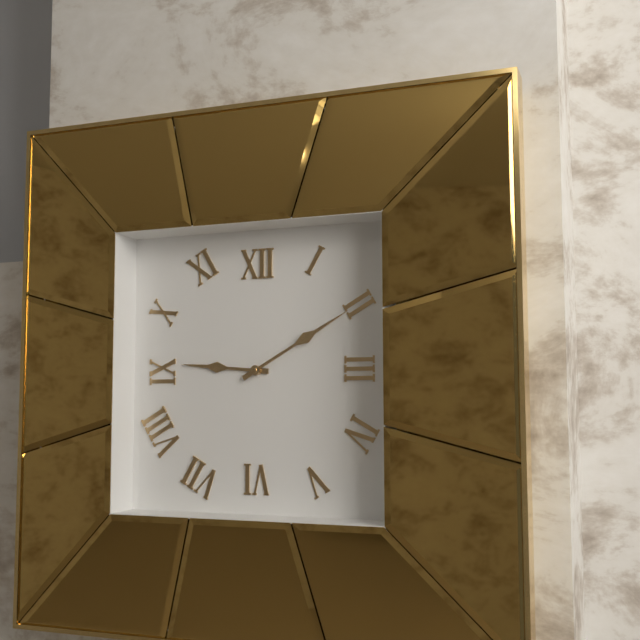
**9:10**
